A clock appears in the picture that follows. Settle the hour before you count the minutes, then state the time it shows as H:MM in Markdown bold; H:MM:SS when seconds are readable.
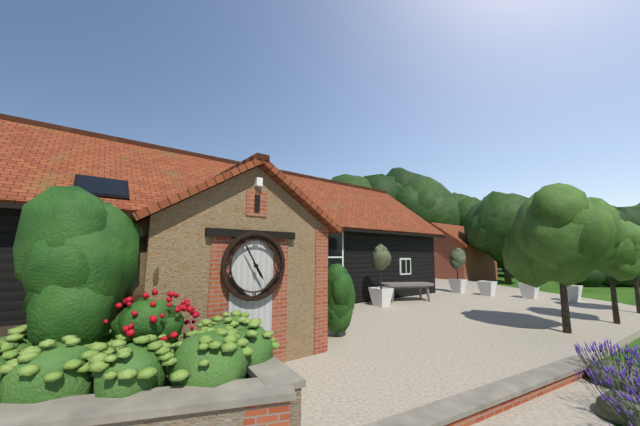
**4:55**
